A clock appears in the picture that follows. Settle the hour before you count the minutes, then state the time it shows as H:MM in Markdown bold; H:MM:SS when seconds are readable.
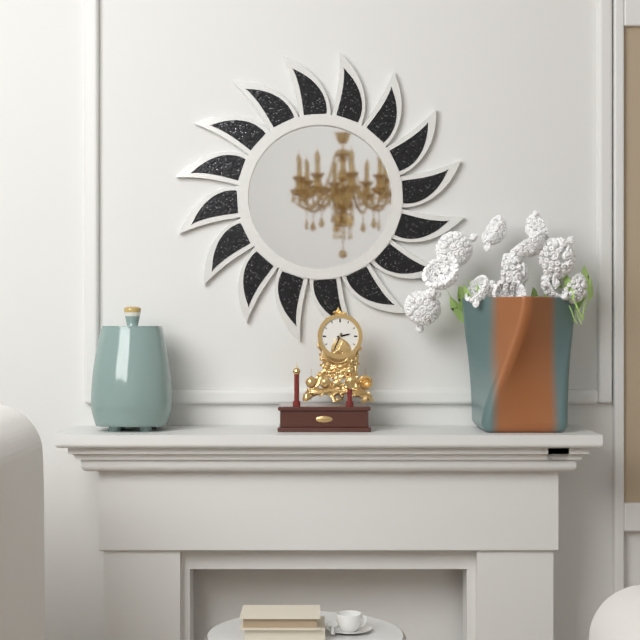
**2:34**
